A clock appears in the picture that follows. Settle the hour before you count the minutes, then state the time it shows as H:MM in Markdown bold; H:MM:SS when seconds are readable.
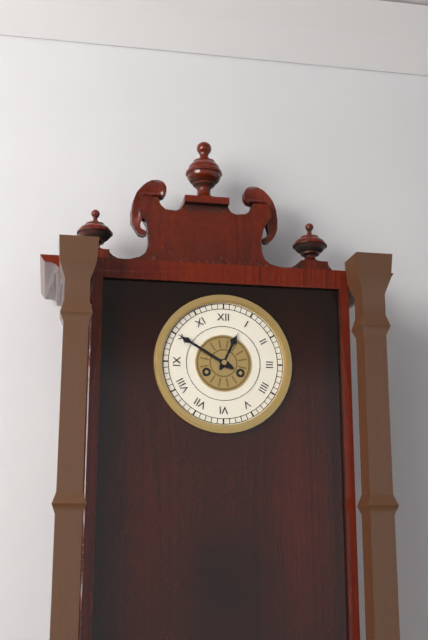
**12:50**
